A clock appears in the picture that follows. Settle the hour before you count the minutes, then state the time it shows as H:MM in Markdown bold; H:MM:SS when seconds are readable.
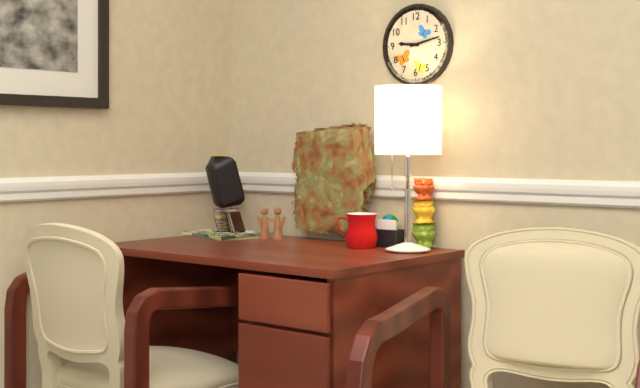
**9:13**
